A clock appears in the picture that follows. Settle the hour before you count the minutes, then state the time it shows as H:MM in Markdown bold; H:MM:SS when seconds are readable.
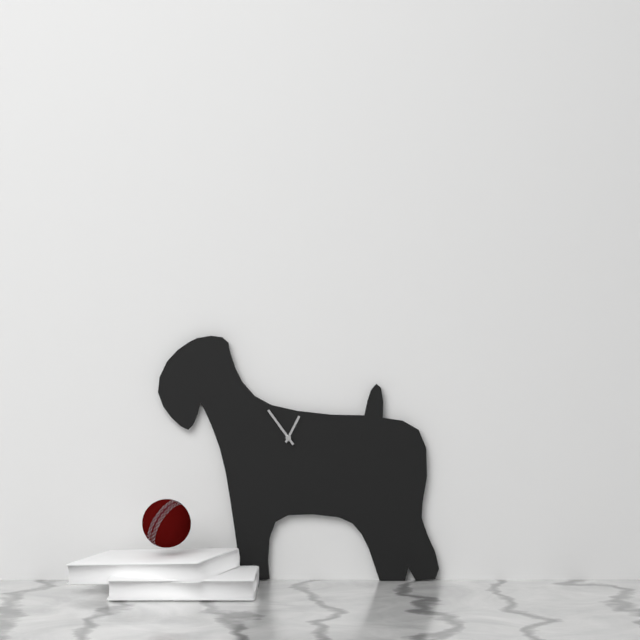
**12:54**
